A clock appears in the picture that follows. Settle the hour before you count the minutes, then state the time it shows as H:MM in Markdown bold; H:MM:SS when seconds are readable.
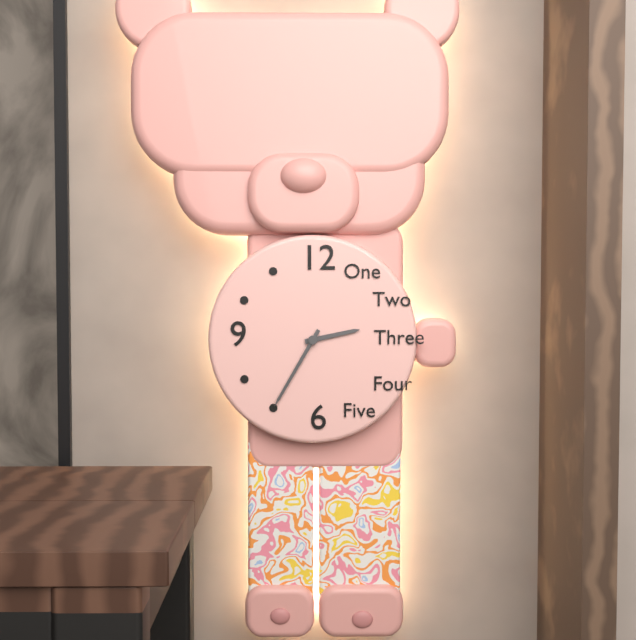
**2:35**
